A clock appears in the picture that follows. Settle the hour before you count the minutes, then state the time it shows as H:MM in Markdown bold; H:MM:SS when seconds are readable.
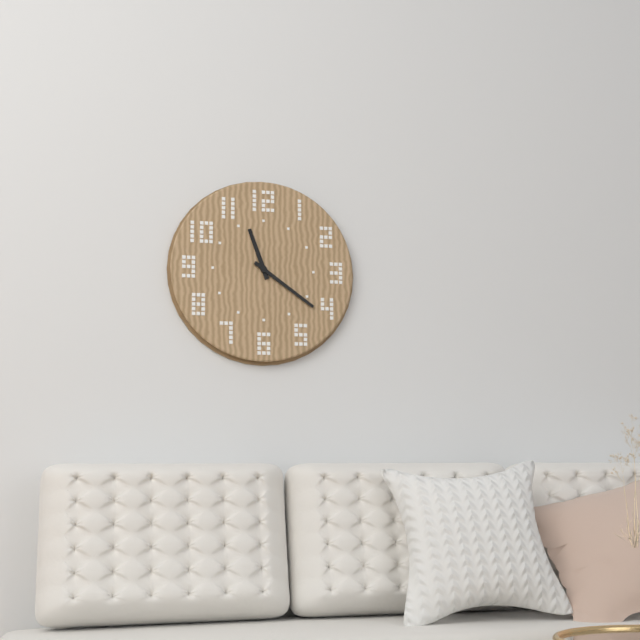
**11:21**
